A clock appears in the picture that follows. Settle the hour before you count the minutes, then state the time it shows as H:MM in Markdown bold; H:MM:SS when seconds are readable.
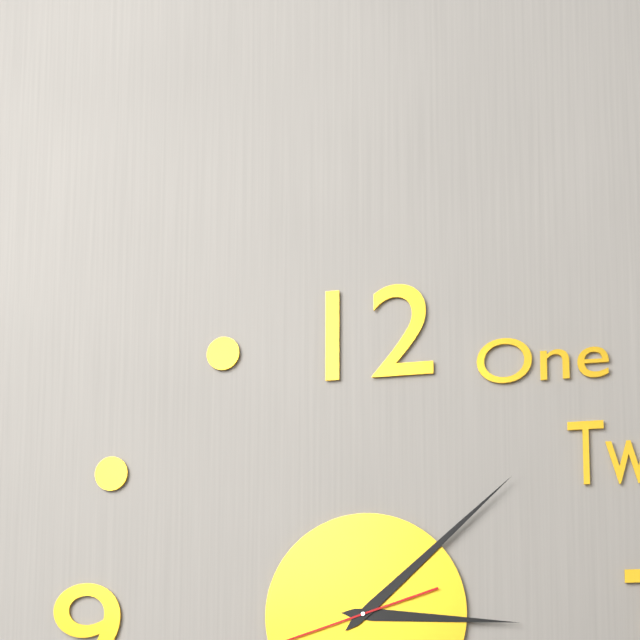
**3:08**
